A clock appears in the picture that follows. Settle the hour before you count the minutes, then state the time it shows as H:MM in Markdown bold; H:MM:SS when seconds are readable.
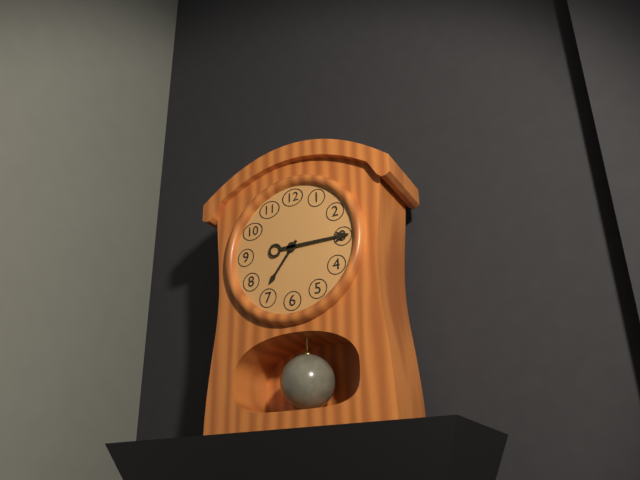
**7:15**
